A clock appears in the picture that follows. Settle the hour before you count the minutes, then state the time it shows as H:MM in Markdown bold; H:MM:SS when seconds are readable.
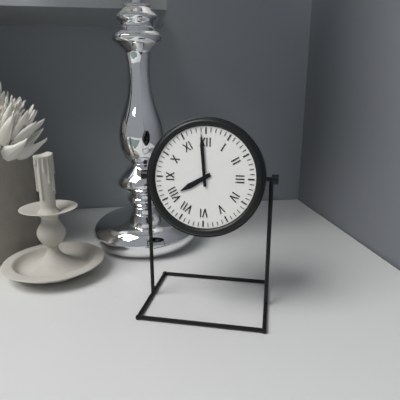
**7:59**
